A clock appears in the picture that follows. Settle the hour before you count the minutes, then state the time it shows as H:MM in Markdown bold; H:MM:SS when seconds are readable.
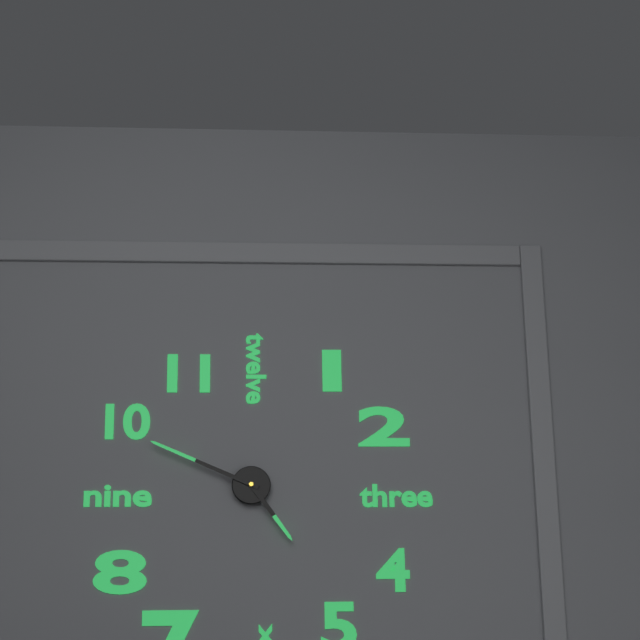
**4:49**
